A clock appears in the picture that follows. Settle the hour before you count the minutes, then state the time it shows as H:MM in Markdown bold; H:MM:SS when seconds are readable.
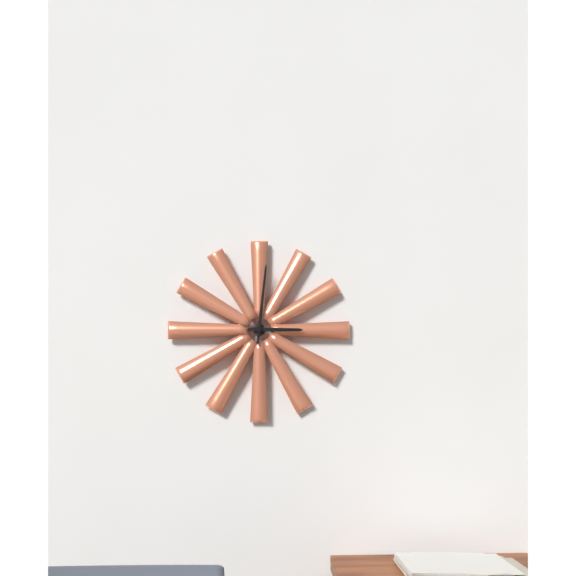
**3:01**
